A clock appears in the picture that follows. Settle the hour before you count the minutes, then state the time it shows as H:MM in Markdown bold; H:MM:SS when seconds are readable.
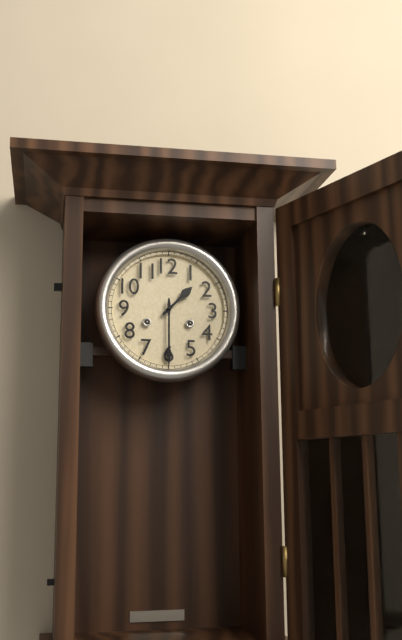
**1:30**
